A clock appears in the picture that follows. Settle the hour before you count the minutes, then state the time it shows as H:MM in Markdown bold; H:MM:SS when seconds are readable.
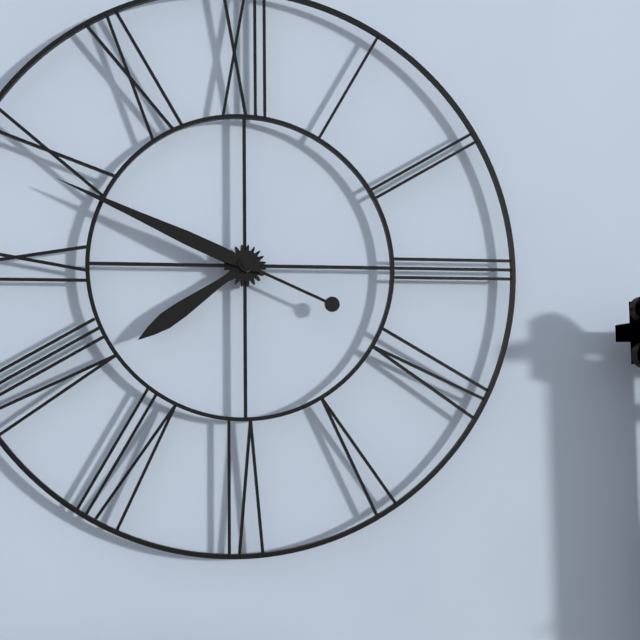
**7:49**
